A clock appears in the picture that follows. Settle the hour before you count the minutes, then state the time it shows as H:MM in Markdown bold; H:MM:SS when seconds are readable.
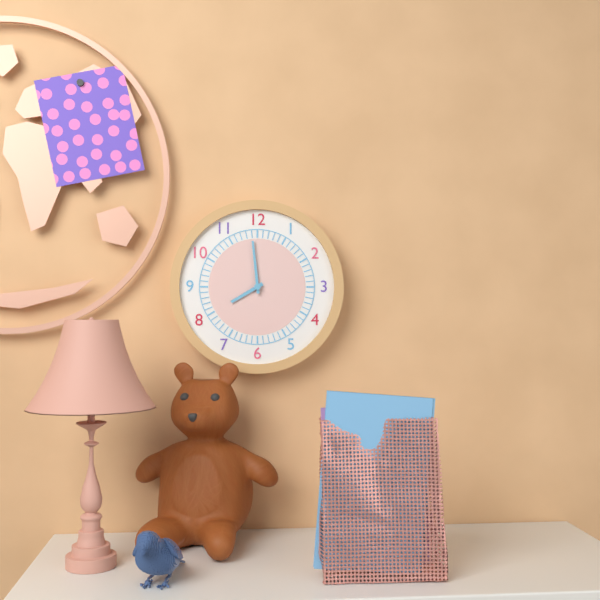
**7:59**
